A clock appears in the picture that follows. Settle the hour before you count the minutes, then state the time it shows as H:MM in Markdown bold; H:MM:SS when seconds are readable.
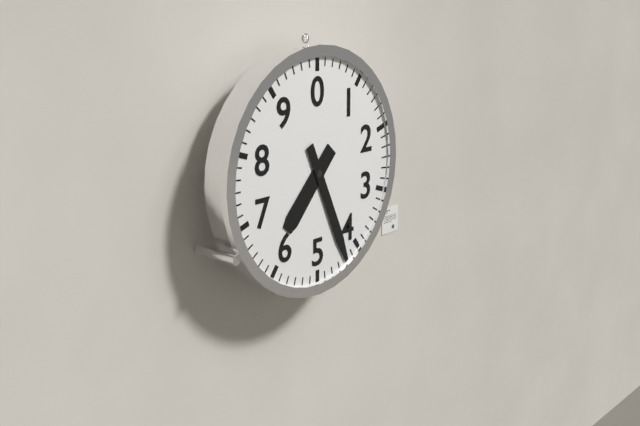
**7:26**
